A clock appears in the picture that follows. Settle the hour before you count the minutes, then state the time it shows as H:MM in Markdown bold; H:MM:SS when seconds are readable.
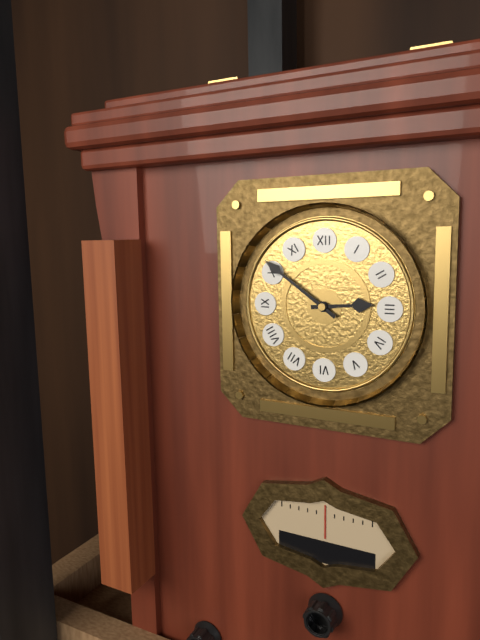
**2:51**
